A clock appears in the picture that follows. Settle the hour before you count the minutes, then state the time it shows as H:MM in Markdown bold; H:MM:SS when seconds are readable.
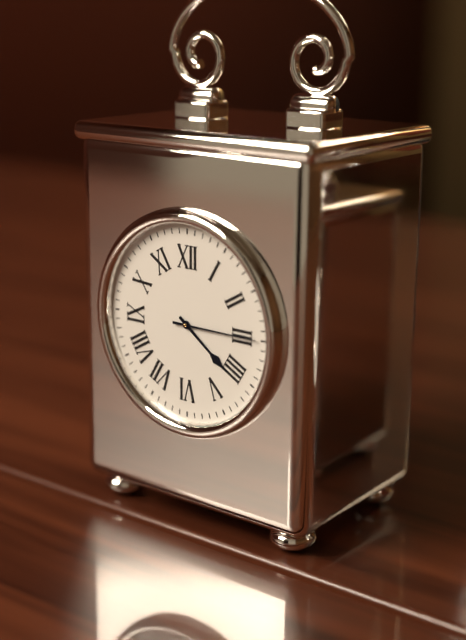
**4:15**
